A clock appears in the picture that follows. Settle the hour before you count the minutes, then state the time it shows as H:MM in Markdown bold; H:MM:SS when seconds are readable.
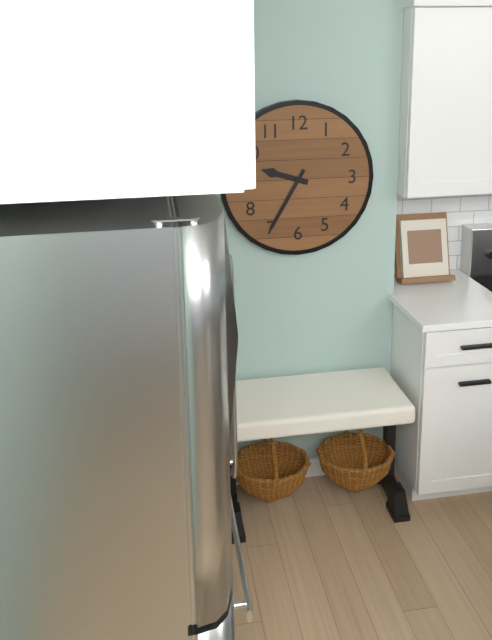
**9:35**
